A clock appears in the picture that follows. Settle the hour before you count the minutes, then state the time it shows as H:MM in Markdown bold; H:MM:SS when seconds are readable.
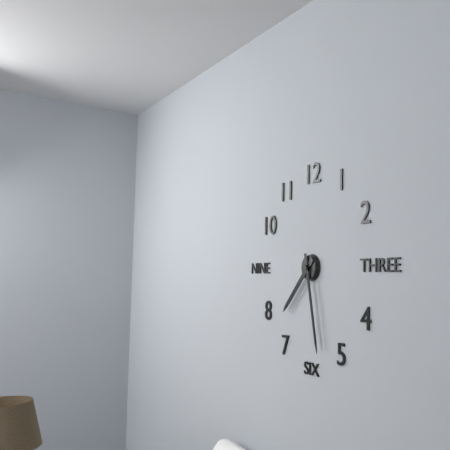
**7:28**
